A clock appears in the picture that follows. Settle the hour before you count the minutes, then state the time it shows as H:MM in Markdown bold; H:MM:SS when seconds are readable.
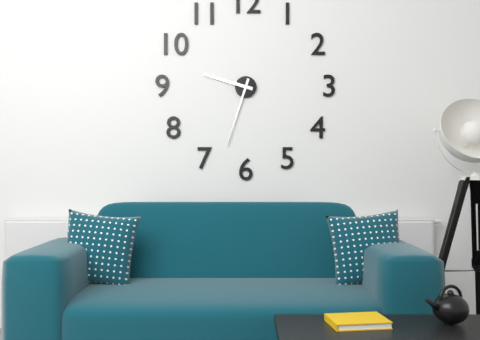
**9:33**
